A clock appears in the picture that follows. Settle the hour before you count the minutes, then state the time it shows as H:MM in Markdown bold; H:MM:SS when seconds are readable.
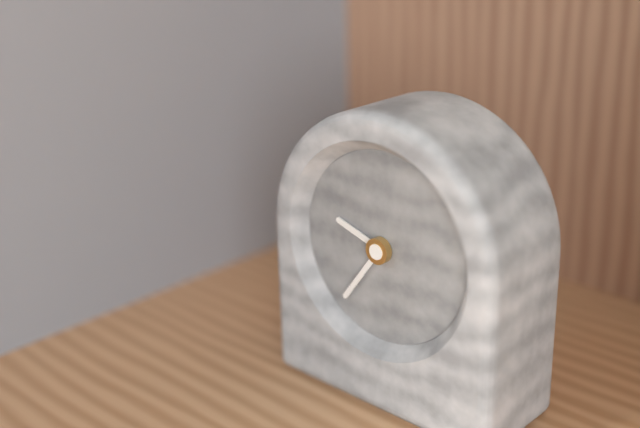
**9:36**
